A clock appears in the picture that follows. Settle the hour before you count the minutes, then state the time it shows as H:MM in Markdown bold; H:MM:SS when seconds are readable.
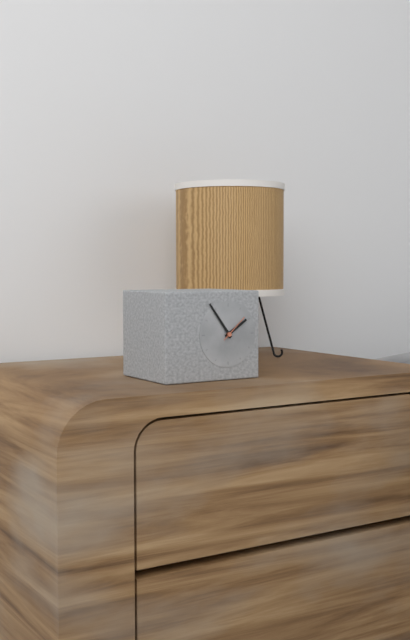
**1:54**
